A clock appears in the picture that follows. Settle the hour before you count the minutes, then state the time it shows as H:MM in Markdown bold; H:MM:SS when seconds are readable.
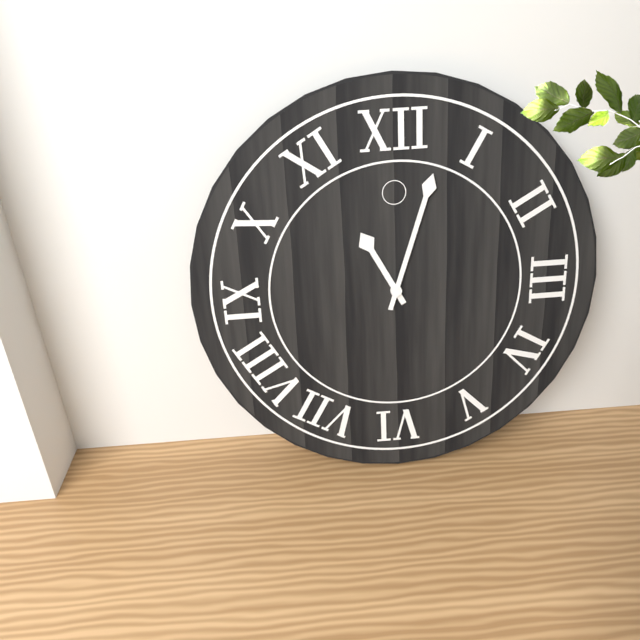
**11:03**
